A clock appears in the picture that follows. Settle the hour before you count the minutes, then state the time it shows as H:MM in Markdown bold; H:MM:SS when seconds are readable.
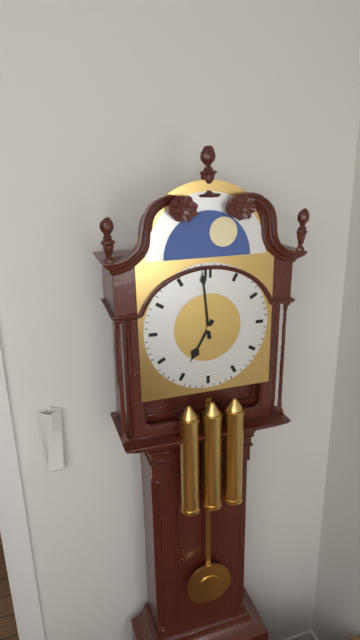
**6:59**
